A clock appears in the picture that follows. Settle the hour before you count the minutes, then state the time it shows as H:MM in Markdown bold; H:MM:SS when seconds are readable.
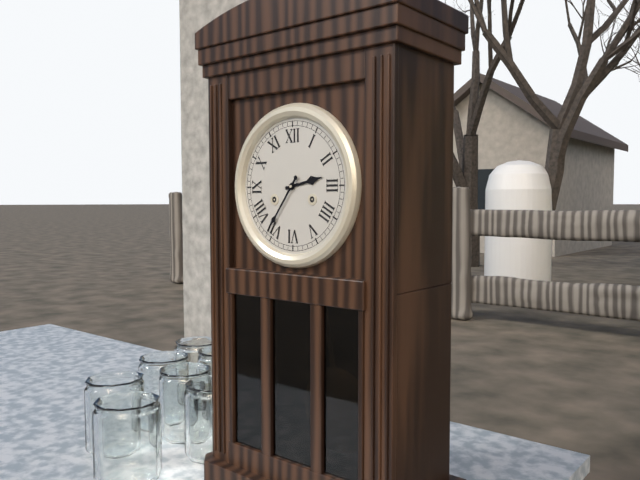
**2:36**
